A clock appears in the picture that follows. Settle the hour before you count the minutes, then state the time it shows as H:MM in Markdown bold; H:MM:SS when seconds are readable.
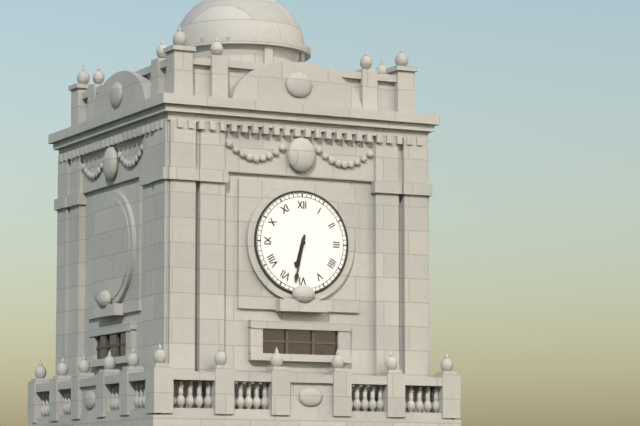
**6:32**
